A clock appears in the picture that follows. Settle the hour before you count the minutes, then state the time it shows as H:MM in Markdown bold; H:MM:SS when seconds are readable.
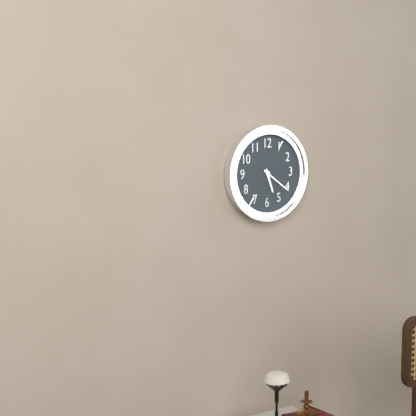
**5:21**
